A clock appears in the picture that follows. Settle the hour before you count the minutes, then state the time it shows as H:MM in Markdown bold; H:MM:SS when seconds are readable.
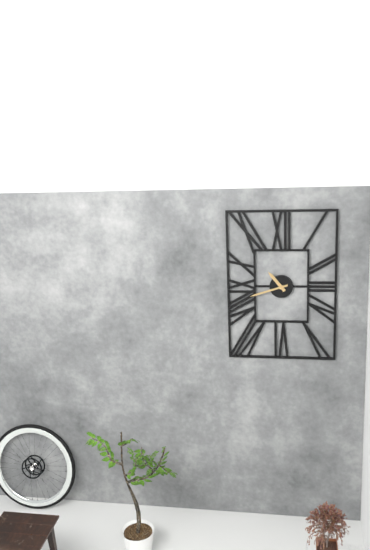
**10:42**
